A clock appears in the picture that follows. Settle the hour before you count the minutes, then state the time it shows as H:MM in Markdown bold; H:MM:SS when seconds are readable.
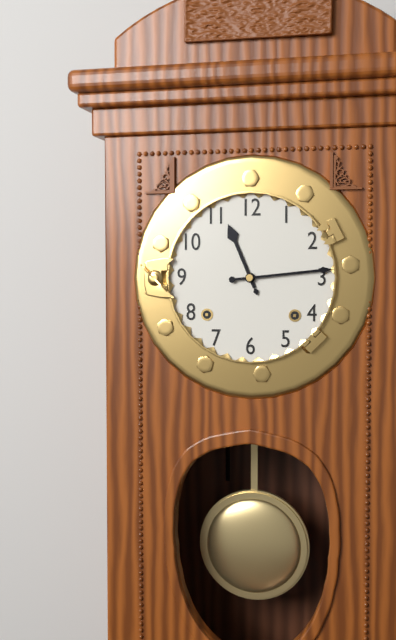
**11:14**
